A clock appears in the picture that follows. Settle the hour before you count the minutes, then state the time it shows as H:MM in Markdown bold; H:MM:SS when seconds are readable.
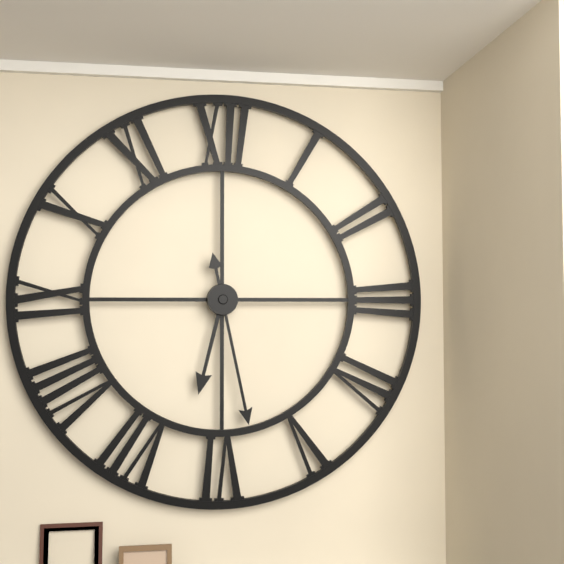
**6:28**
